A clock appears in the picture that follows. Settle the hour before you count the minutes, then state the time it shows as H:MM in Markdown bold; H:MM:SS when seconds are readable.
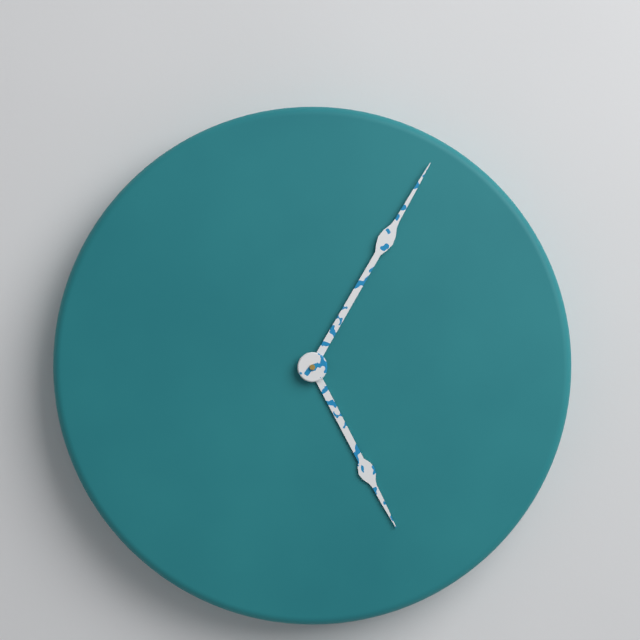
**5:05**
